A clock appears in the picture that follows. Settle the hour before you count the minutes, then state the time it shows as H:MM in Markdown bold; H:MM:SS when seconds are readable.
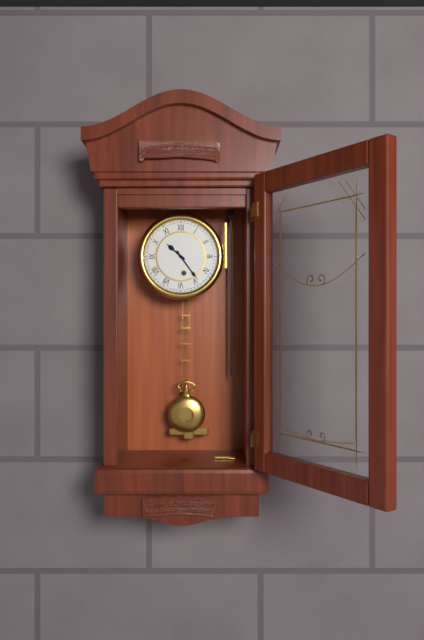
**10:24**
